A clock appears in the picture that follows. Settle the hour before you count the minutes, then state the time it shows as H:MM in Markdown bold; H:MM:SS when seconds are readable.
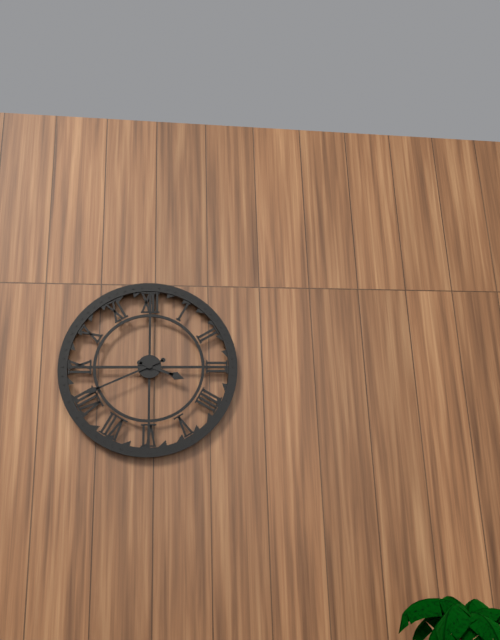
**3:41**
